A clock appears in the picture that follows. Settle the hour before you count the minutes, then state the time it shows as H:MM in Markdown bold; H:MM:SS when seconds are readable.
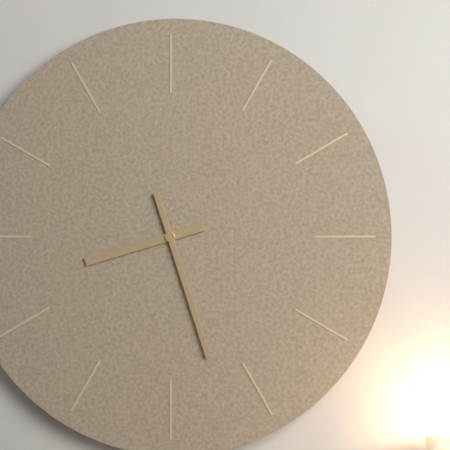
**8:27**
